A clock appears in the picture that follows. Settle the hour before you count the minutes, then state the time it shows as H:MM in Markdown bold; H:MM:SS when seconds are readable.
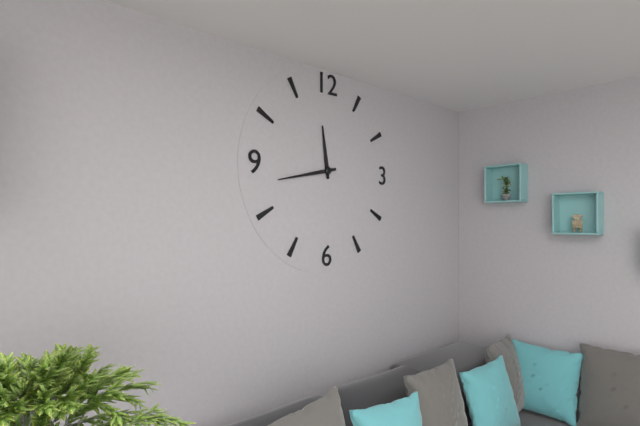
**11:43**
